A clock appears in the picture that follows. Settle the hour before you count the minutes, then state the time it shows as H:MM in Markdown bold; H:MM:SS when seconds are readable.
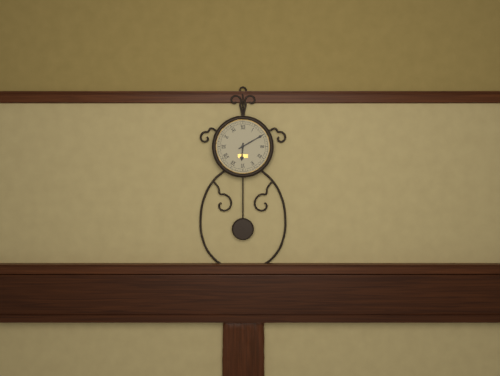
**6:10**
